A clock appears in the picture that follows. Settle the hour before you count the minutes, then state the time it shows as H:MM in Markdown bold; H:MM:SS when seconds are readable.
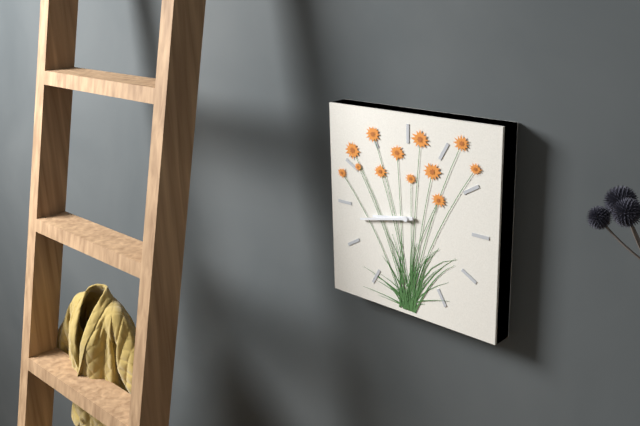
**8:43**
